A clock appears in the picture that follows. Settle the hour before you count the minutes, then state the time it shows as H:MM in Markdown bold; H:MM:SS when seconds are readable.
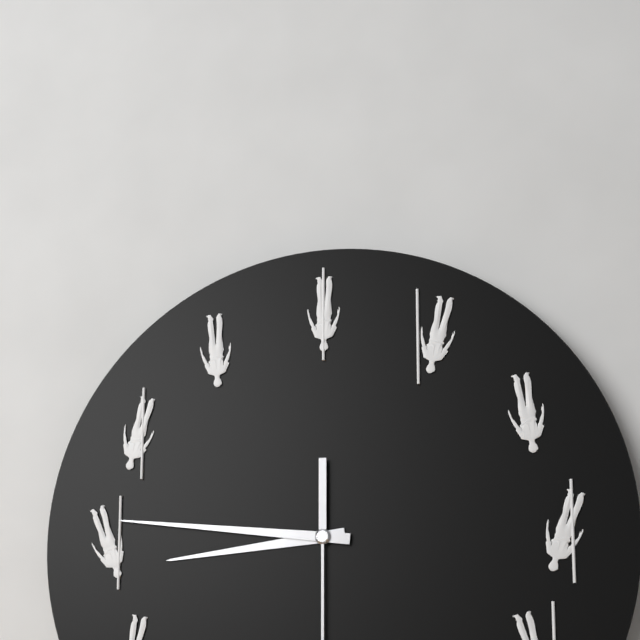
**8:46**
